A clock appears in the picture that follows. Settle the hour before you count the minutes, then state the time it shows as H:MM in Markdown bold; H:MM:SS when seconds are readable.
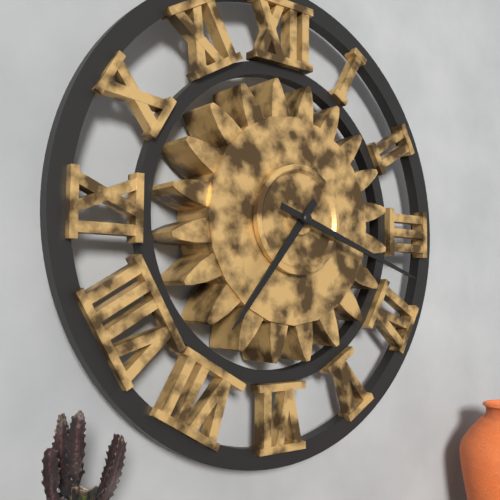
**7:18**
